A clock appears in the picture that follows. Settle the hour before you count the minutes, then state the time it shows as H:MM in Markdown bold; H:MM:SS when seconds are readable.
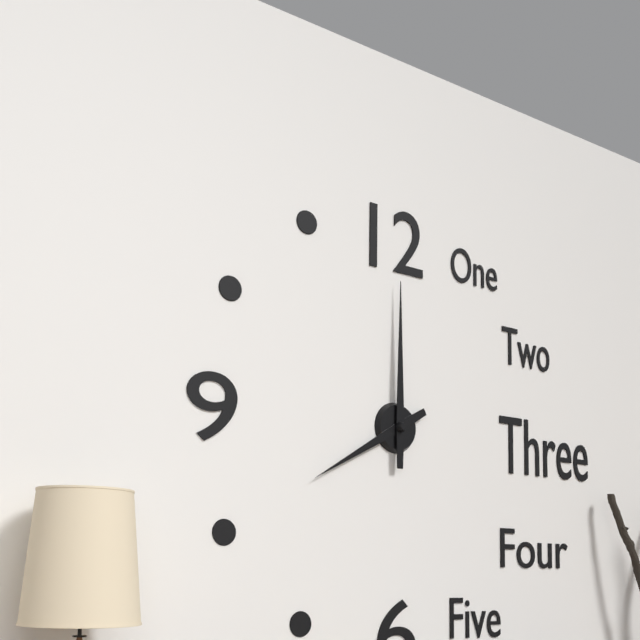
**8:00**
